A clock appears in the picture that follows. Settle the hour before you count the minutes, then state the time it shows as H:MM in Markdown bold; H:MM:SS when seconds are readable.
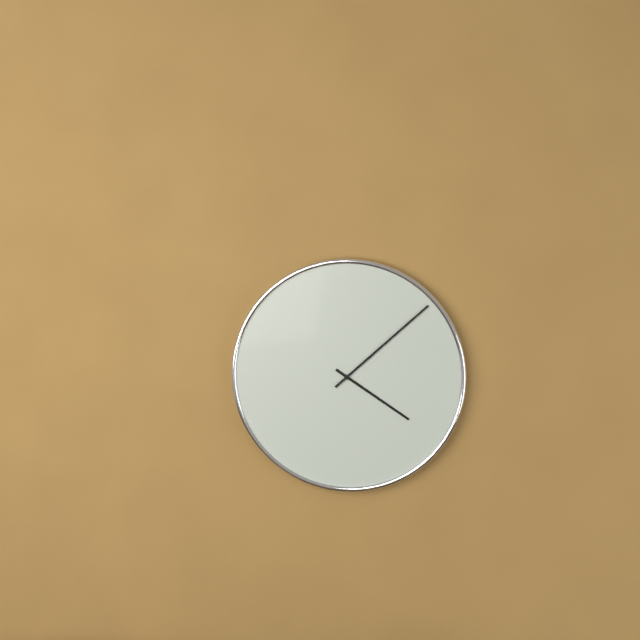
**4:08**
